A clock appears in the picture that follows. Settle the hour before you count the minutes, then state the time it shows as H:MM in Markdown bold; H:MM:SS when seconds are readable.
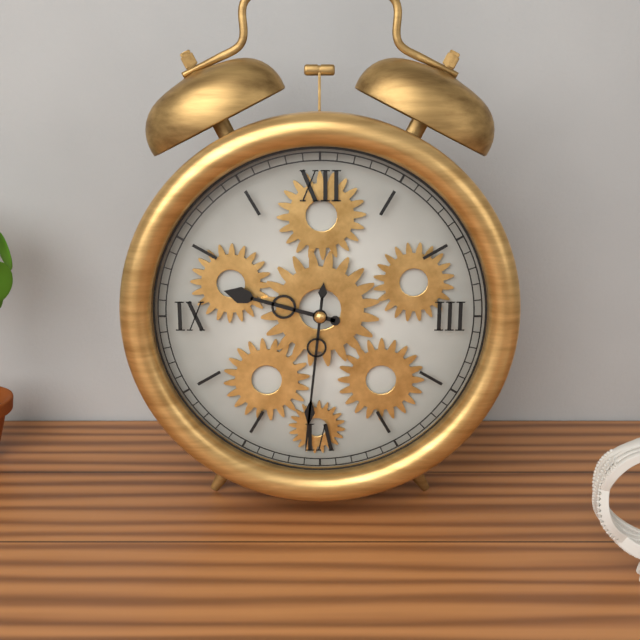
**9:31**
